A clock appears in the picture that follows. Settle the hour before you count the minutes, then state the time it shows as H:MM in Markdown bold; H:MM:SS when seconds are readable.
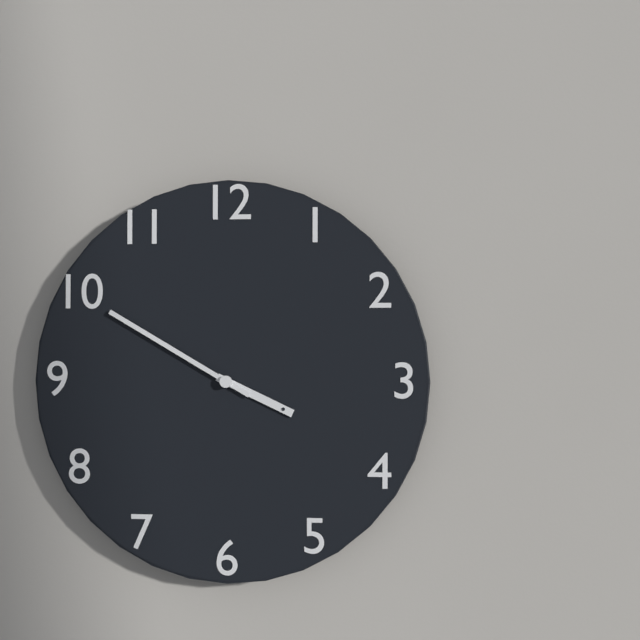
**3:50**
